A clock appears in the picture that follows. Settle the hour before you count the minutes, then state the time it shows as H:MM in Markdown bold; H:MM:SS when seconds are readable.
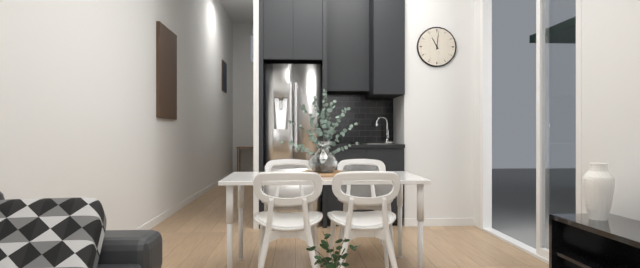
**11:01**
